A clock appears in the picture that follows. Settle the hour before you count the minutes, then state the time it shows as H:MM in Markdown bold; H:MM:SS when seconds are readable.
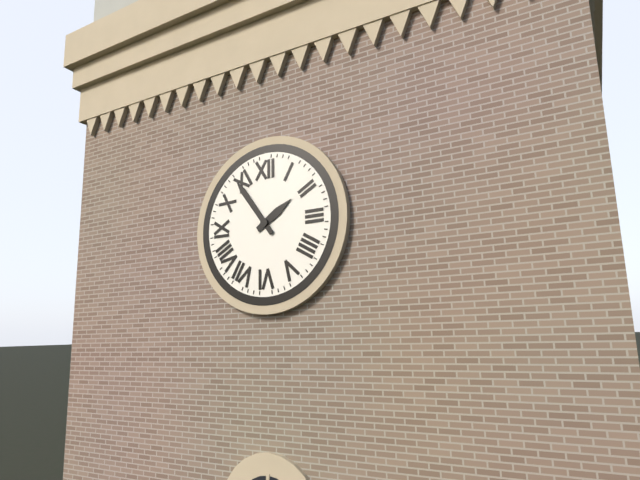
**1:54**
